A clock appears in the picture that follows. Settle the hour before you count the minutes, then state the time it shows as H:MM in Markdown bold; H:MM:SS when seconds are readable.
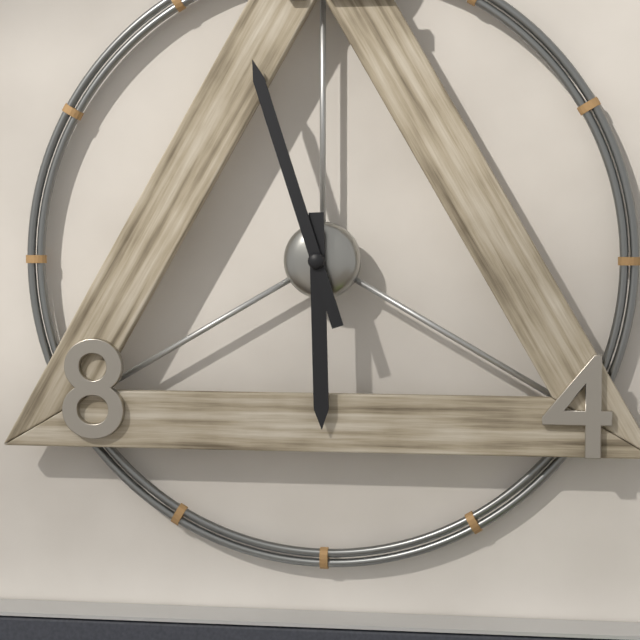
**5:57**
